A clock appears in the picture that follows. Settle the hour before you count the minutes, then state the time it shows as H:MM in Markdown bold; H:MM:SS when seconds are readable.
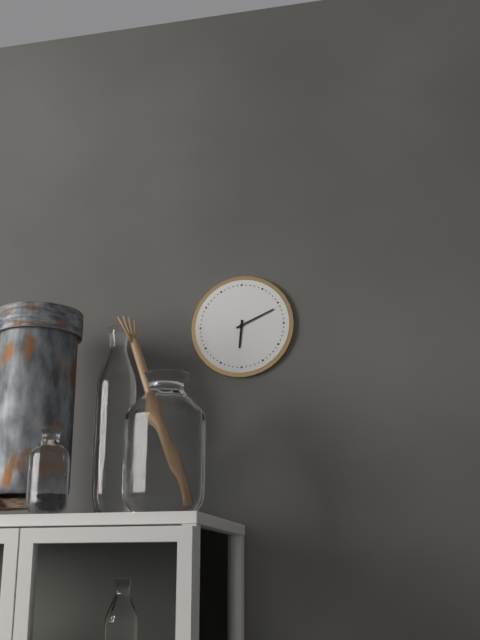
**6:11**
